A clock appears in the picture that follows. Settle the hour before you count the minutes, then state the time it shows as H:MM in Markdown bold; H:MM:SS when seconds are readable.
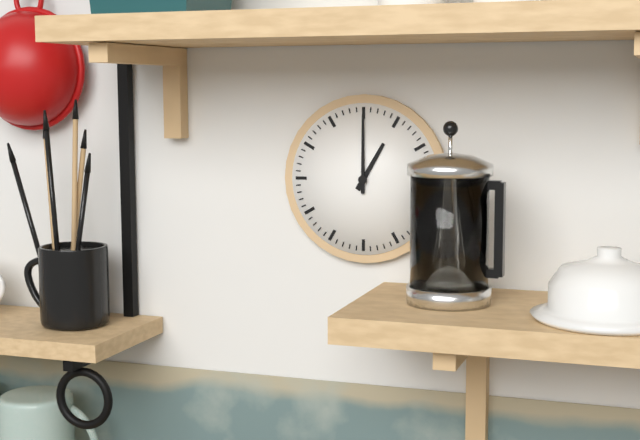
**1:00**
